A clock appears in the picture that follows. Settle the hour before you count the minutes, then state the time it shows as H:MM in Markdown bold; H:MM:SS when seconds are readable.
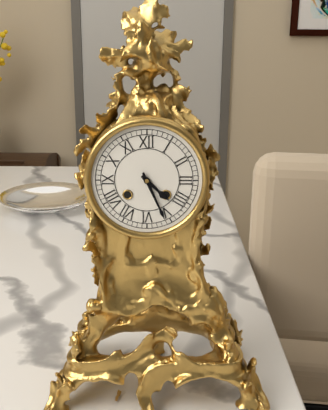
**4:26**
